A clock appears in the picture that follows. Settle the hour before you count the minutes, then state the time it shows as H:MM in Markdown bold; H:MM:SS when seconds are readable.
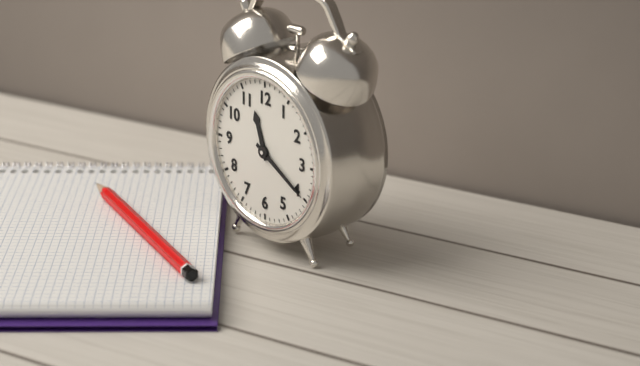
**11:20**
